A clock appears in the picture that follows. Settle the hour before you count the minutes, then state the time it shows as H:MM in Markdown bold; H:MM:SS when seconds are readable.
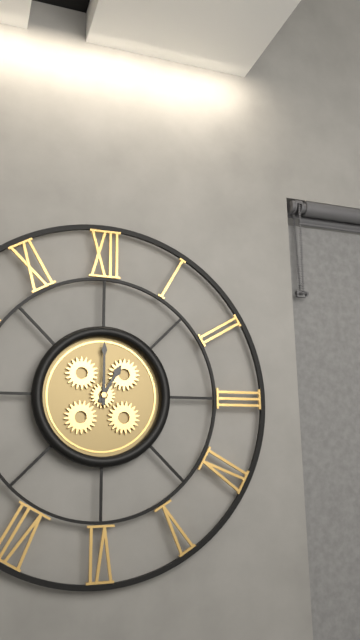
**1:00**
